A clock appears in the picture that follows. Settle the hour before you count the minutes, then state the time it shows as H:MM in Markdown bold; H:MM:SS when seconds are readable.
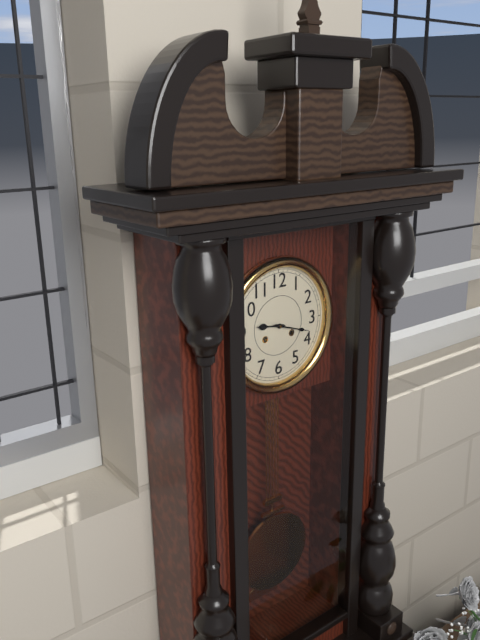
**9:18**
